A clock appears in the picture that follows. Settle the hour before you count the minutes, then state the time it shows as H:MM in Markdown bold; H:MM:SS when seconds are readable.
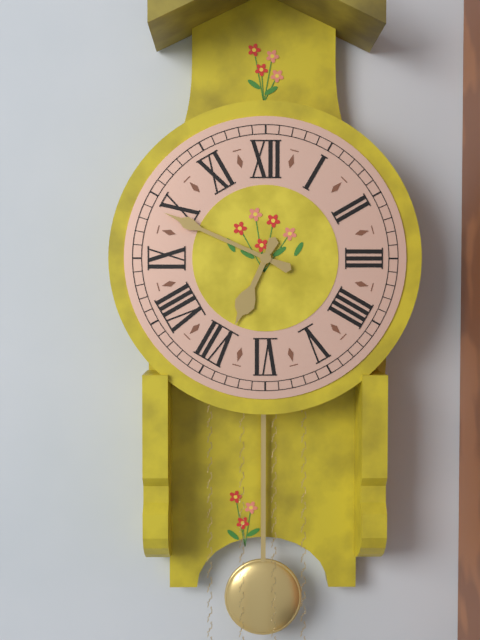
**6:49**
